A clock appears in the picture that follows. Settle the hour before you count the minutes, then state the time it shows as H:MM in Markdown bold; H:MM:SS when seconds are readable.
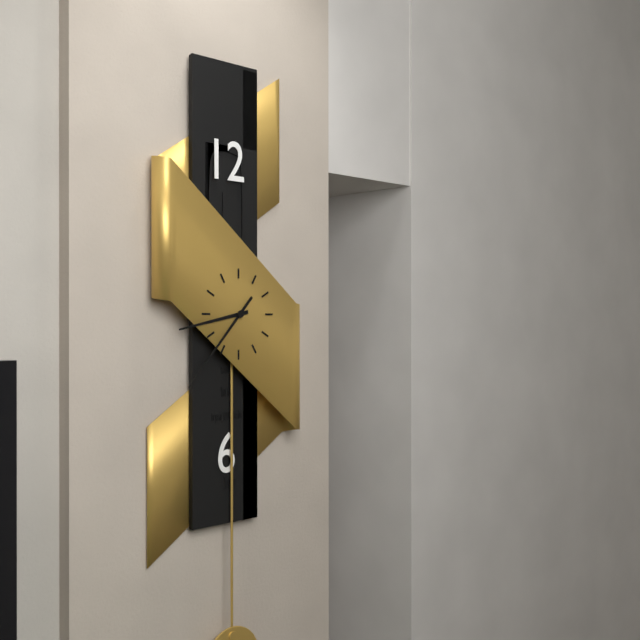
**8:37**
